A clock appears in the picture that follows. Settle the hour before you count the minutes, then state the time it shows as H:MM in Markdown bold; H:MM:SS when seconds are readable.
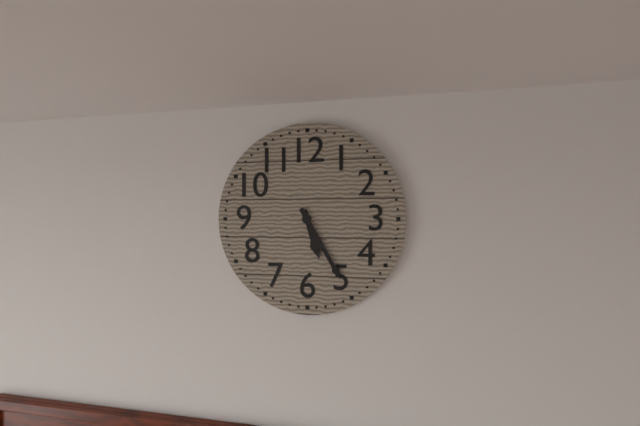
**5:25**
